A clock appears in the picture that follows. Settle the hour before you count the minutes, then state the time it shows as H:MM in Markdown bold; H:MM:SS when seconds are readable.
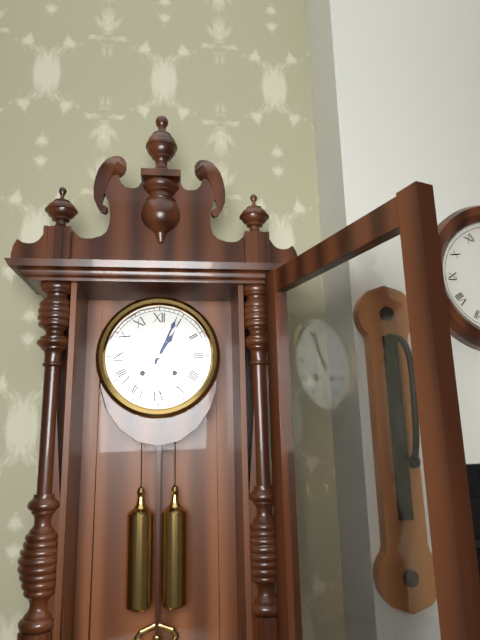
**1:04**
